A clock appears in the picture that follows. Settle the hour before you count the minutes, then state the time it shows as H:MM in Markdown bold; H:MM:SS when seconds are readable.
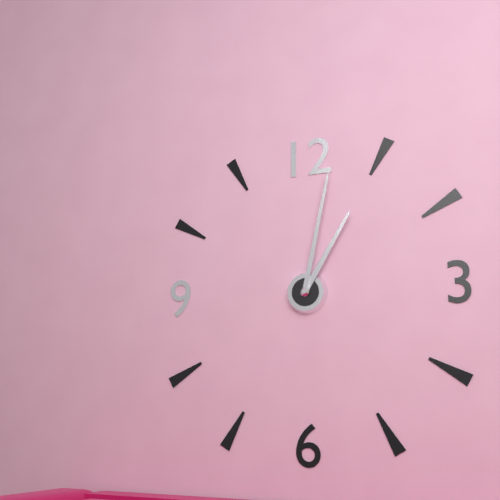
**1:02**
